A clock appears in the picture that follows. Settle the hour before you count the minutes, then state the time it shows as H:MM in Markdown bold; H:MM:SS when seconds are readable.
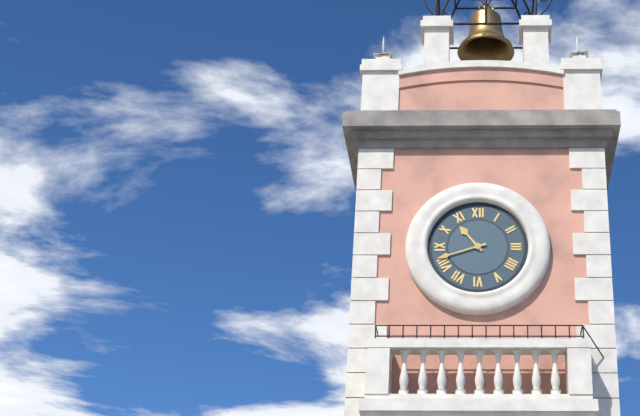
**10:42**
